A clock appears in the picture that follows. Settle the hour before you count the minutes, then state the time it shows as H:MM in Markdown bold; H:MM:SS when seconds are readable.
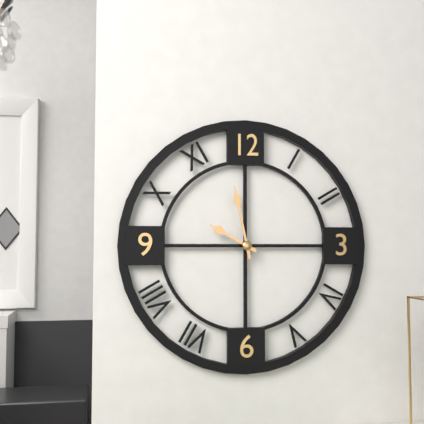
**9:58**
